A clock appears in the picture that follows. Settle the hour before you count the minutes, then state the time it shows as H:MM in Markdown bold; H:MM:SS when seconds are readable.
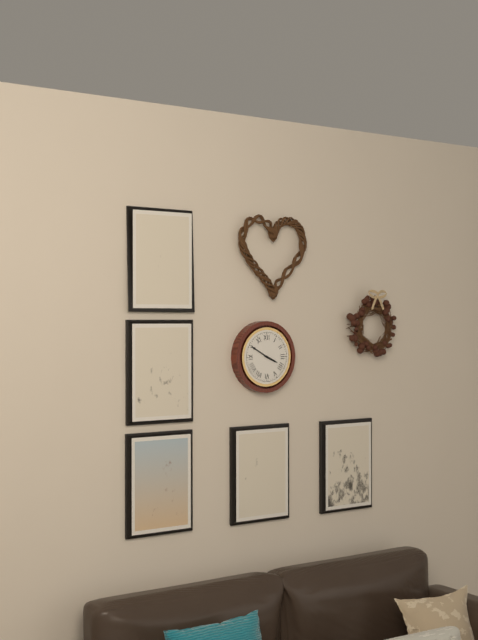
**3:50**
